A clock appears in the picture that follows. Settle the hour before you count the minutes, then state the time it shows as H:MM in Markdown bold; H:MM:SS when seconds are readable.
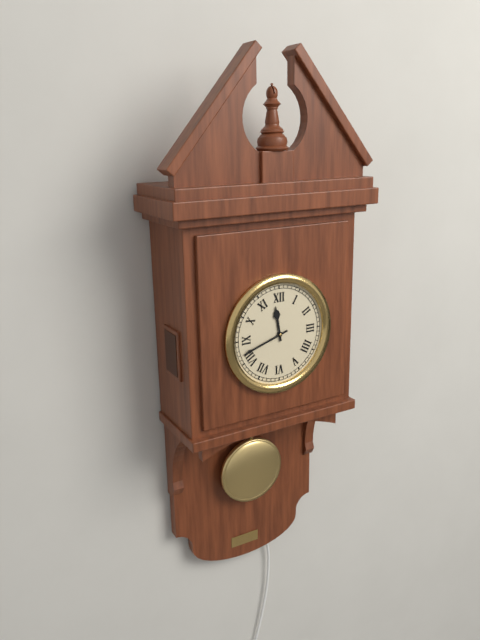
**11:42**
